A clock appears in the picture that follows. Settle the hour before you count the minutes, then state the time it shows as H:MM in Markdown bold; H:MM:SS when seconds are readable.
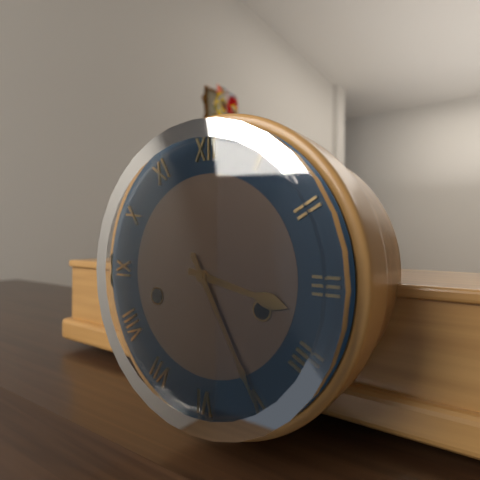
**3:25**
